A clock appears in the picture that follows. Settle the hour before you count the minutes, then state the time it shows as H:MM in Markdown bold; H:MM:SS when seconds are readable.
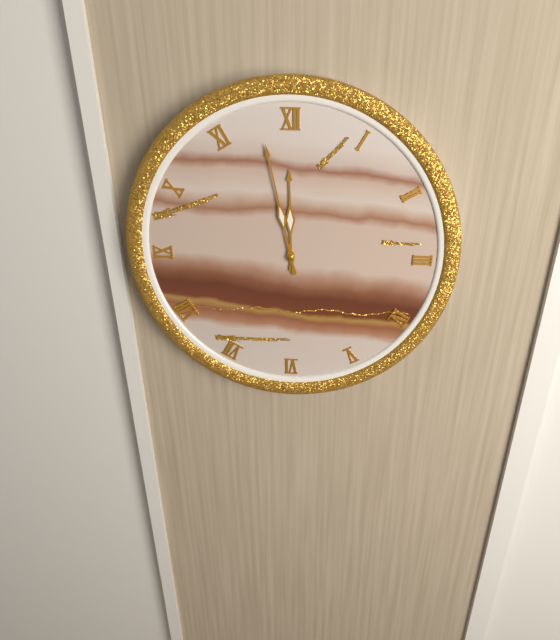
**11:58**
